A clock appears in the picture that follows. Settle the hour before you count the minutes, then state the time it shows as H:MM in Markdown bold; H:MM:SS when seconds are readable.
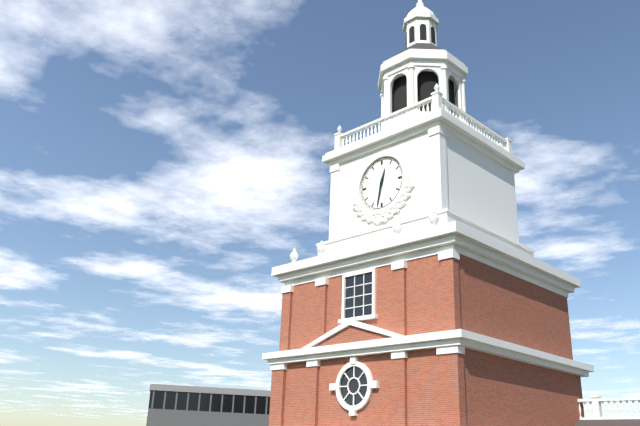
**12:32**
